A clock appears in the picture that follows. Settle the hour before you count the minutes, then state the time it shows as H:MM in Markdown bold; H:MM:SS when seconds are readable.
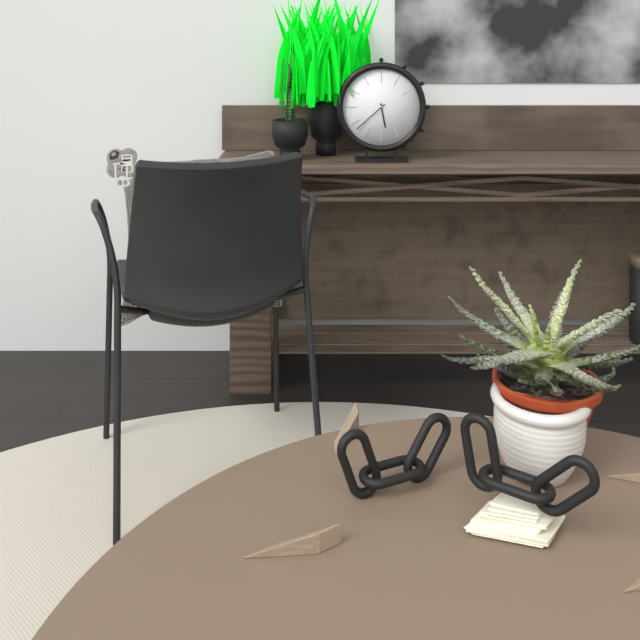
**5:38**
